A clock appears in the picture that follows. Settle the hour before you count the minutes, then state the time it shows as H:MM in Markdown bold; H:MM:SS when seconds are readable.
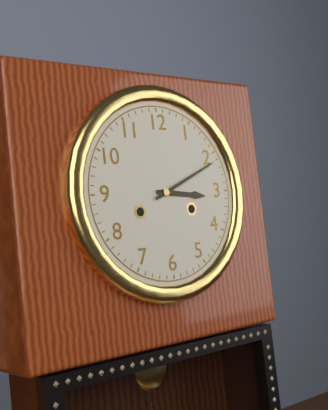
**3:11**
